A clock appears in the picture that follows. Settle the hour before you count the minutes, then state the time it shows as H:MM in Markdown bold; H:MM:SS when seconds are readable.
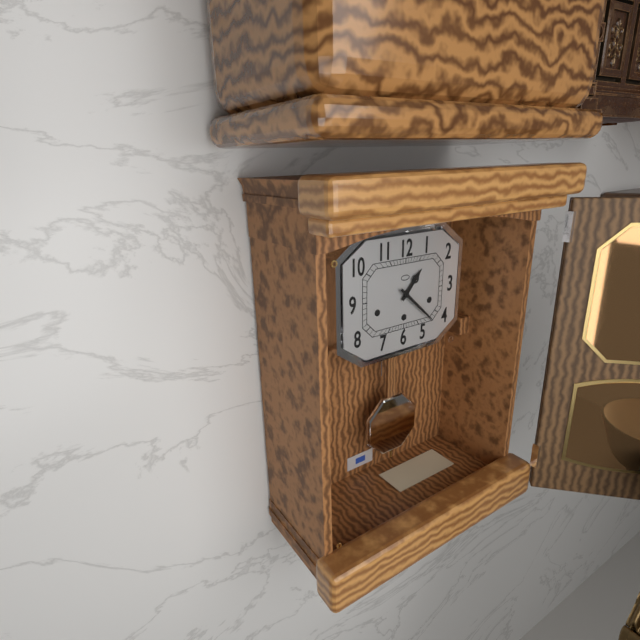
**1:22**
